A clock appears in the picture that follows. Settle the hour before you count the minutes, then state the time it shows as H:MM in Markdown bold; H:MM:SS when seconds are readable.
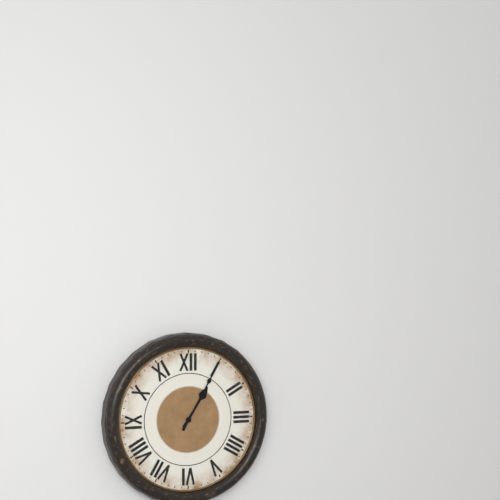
**1:05**
